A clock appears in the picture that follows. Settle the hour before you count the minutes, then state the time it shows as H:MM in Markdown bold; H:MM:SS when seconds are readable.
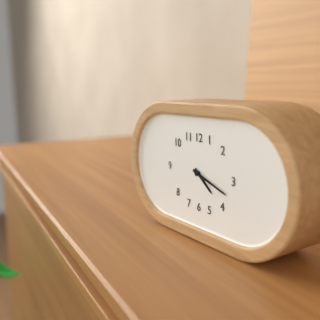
**4:18**
